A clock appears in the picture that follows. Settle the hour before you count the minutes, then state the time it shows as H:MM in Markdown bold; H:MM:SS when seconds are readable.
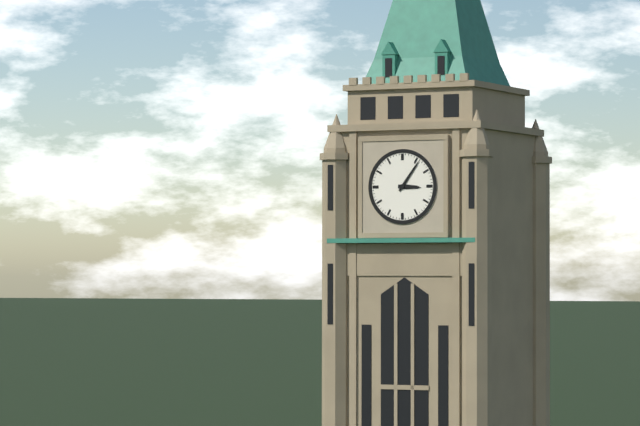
**3:06**
